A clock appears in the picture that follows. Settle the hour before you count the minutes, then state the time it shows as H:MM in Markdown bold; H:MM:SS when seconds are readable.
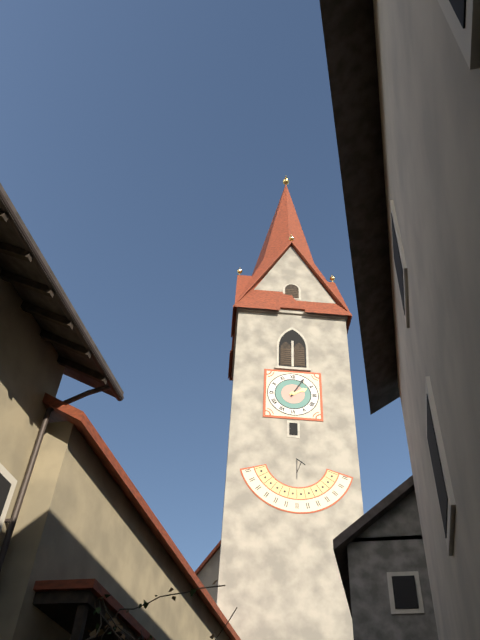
**2:05**
